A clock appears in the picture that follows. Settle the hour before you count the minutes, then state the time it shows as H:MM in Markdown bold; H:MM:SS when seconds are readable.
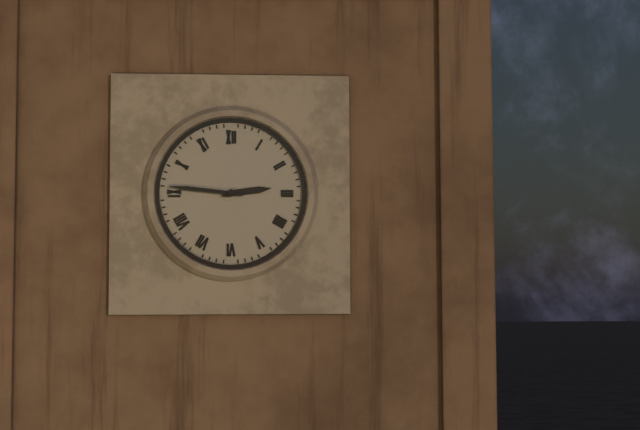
**2:46**
